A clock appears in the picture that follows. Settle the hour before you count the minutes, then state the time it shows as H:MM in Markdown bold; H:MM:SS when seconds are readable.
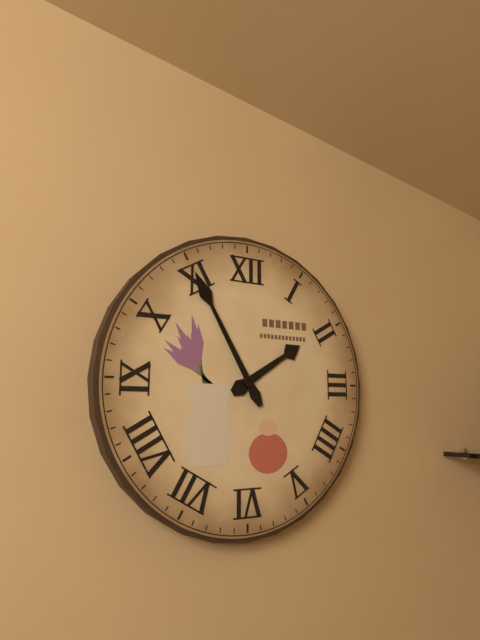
**1:55**
